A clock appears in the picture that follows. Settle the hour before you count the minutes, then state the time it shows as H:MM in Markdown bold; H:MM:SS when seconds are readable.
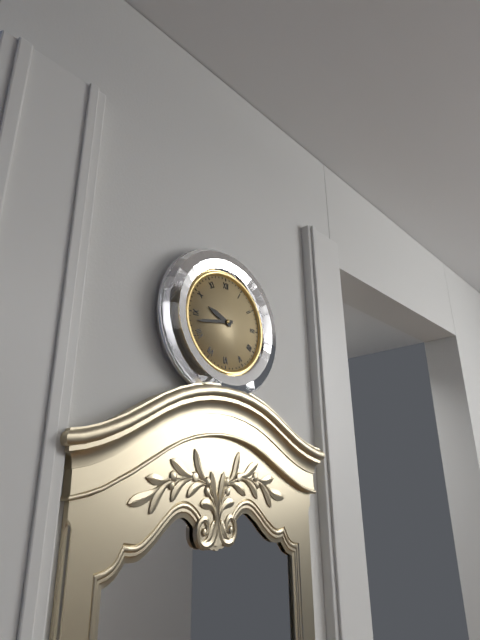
**9:43**
